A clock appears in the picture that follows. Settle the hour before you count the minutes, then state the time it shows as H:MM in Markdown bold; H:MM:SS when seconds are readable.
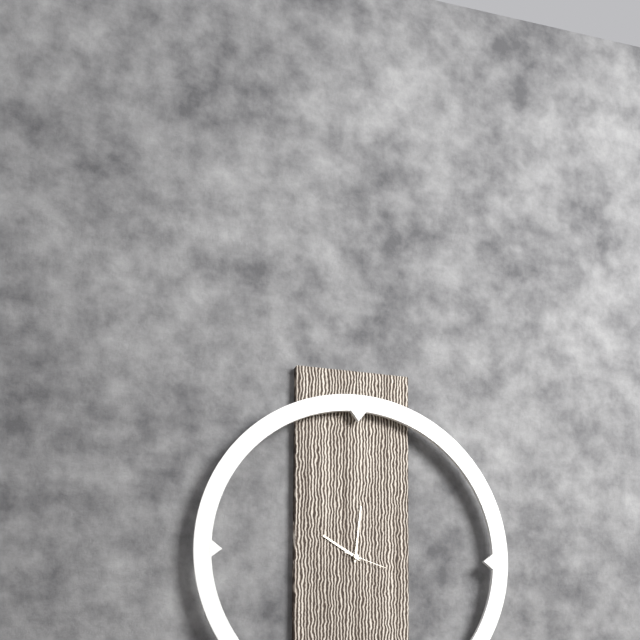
**10:01**
